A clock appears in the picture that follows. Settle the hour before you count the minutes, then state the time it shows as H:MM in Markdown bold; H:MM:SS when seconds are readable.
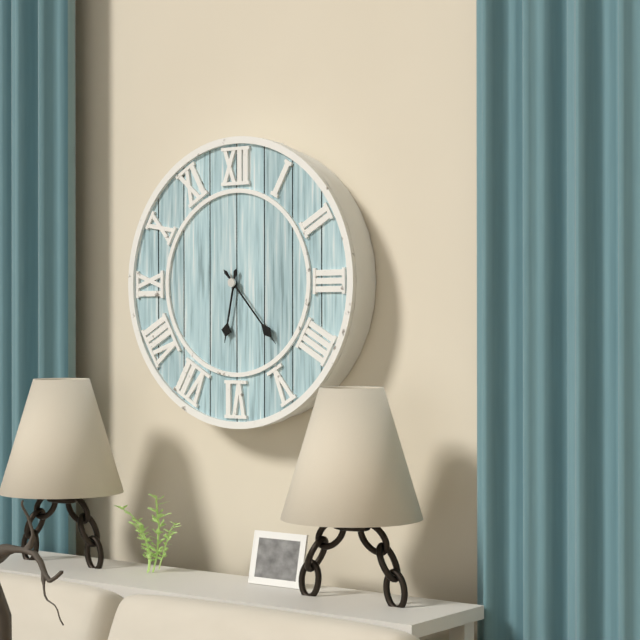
**6:23**
